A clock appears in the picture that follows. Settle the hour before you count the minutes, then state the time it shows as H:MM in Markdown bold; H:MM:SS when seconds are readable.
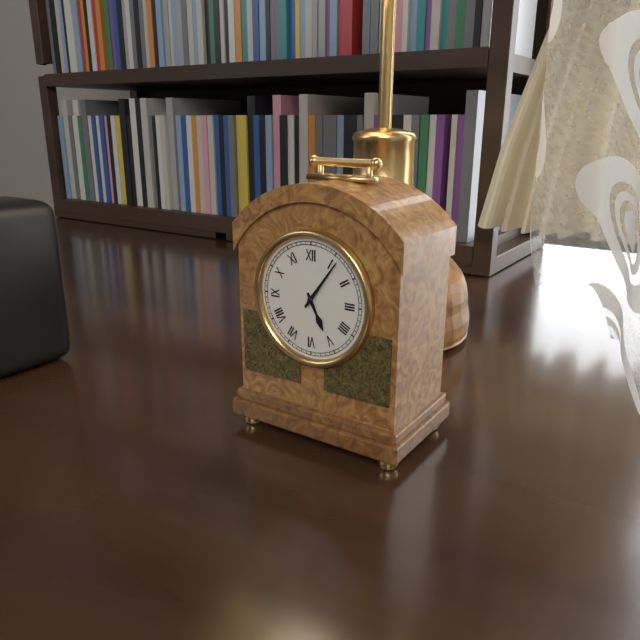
**5:06**
